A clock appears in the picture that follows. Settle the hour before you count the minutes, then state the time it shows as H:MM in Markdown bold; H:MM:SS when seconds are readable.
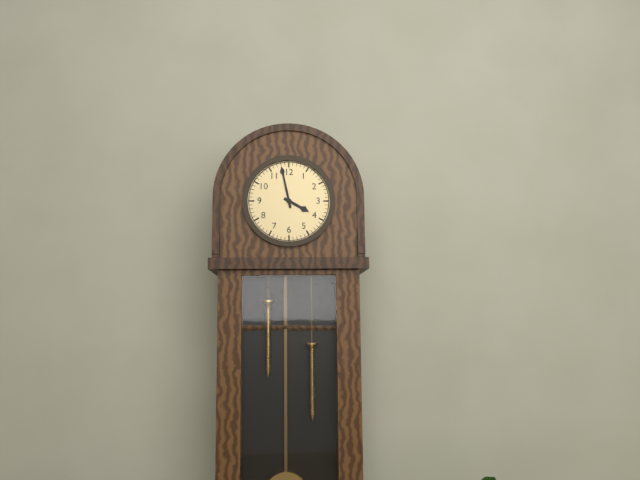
**3:58**
